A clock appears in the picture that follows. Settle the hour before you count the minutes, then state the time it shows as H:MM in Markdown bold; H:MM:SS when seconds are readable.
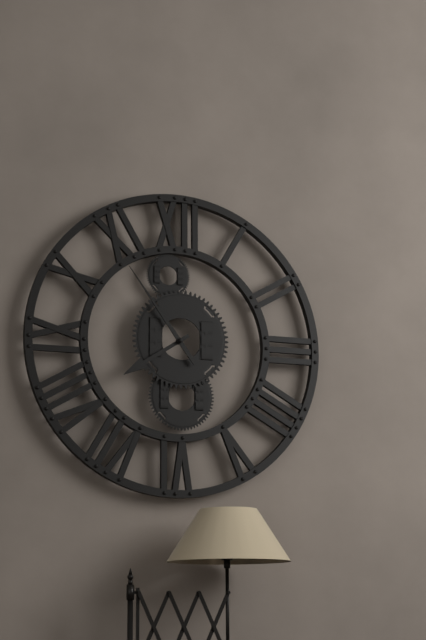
**7:54**
